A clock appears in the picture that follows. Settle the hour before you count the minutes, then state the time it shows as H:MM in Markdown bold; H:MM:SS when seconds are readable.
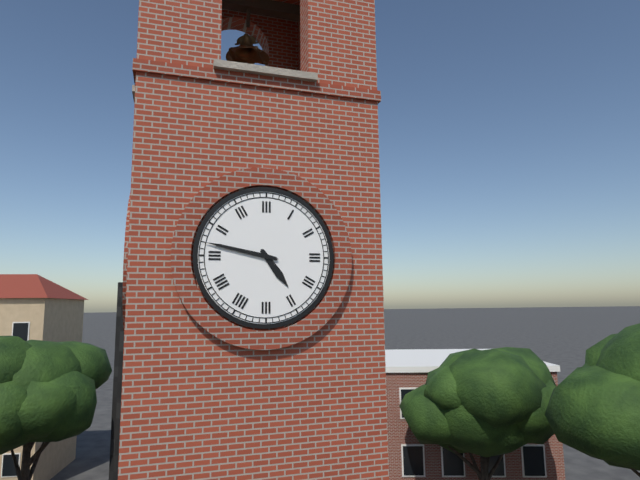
**4:47**
